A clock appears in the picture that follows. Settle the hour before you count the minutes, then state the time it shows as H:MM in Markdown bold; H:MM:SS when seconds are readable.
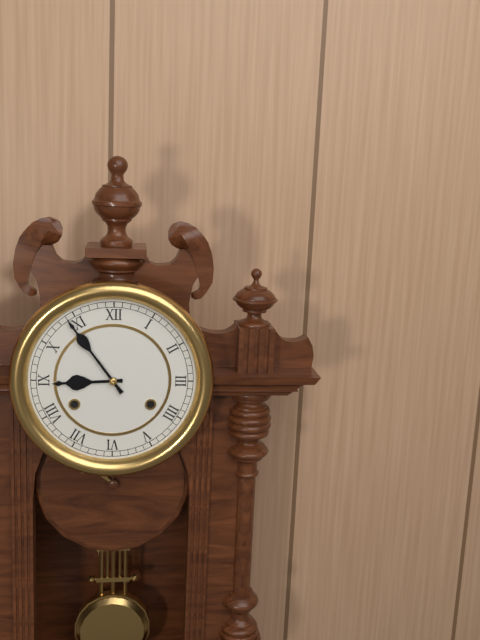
**8:54**
